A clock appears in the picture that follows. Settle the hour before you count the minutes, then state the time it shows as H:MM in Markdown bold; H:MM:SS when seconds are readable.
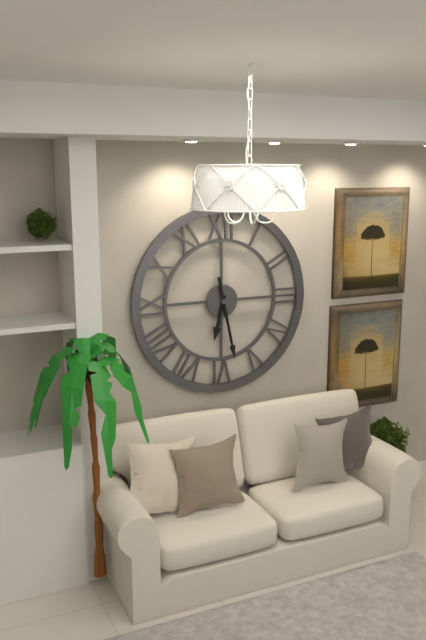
**6:28**
